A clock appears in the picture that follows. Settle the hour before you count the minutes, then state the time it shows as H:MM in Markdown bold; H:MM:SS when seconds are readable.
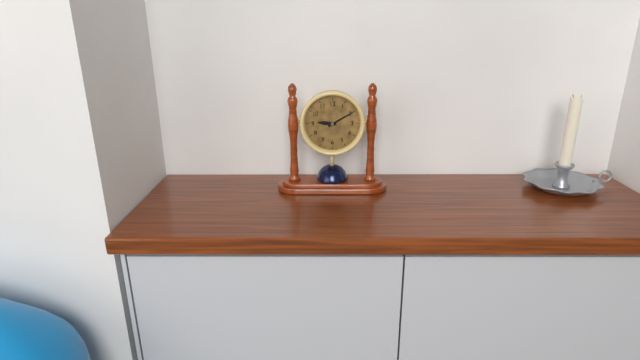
**9:10**
